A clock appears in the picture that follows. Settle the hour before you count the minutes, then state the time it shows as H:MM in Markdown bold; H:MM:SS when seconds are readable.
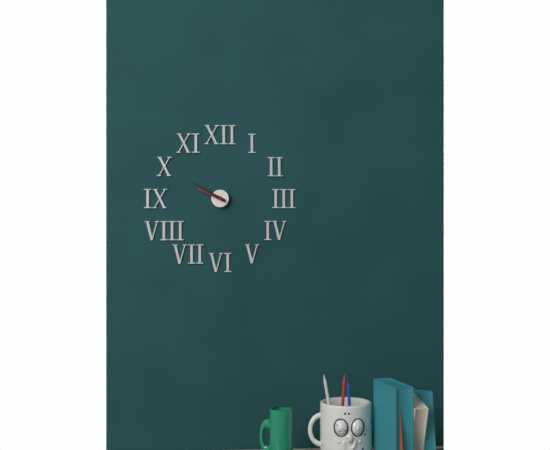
**9:50**
